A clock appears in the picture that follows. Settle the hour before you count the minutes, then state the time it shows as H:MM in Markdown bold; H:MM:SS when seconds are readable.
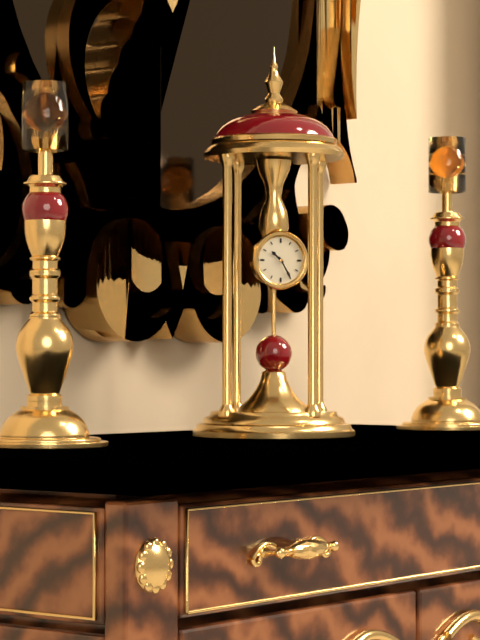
**10:25**
